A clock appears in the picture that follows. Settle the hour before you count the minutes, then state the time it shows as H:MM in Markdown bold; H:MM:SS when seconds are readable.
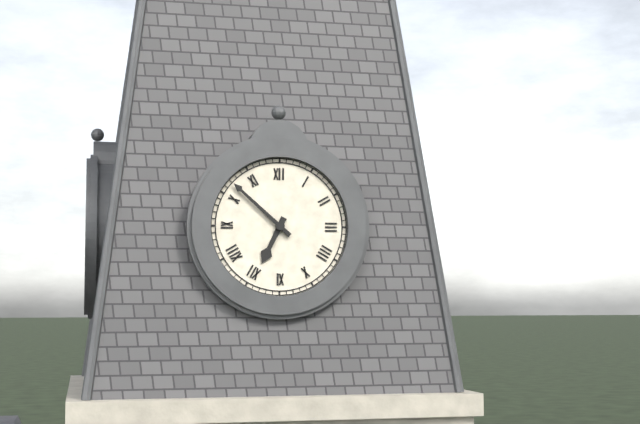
**6:52**
